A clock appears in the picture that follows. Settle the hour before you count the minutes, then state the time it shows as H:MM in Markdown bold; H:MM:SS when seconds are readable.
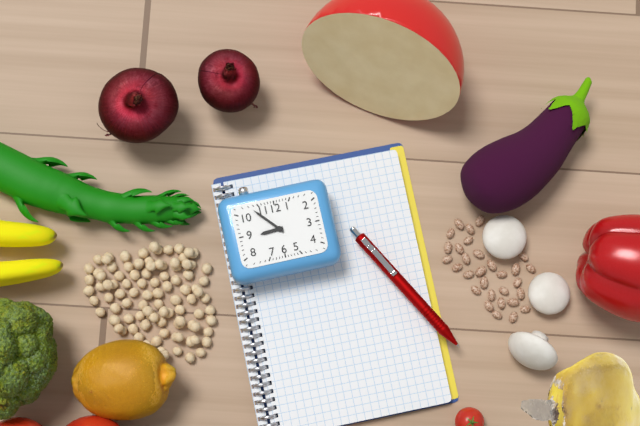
**8:53**
